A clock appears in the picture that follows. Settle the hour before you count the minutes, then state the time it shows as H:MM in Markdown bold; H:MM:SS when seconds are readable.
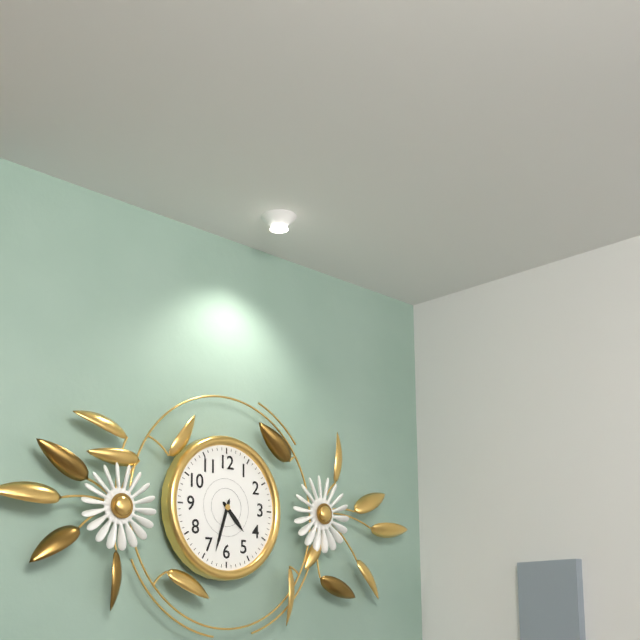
**4:33**
